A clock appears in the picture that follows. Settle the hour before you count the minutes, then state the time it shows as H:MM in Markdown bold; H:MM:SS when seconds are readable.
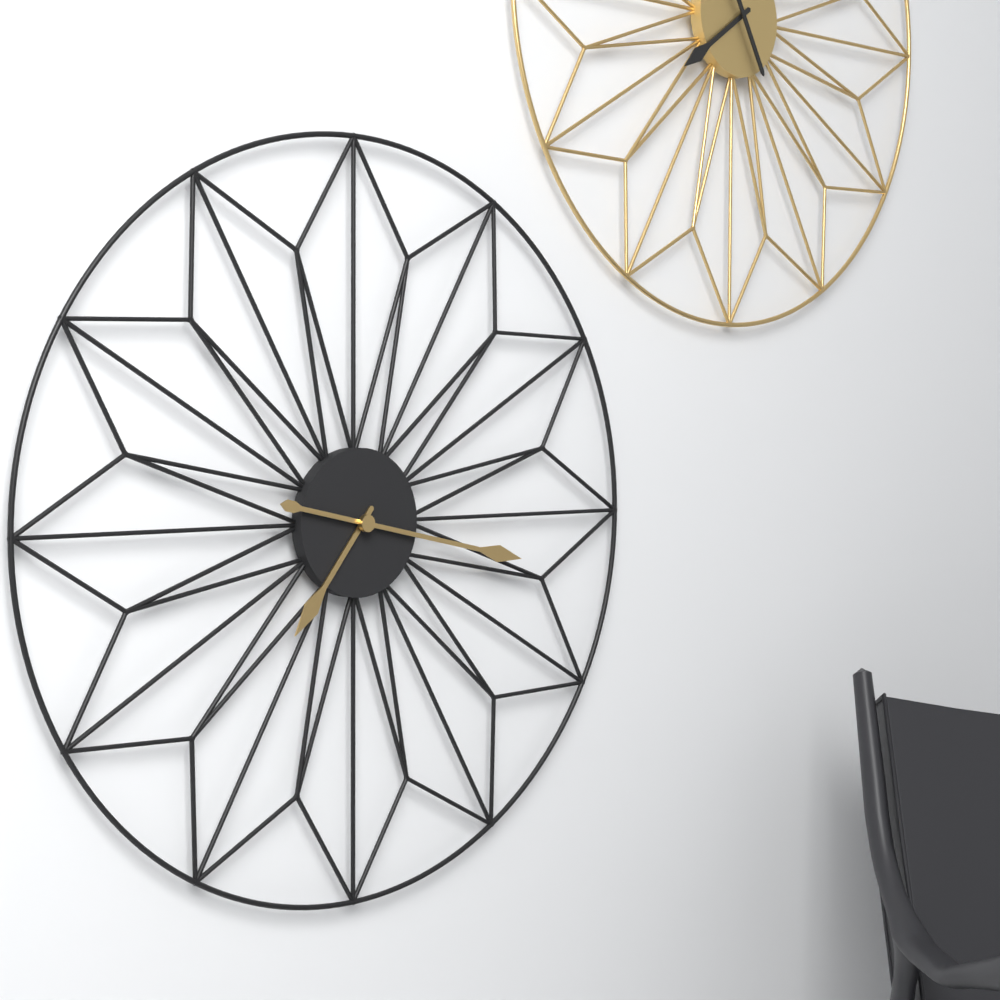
**7:17**
